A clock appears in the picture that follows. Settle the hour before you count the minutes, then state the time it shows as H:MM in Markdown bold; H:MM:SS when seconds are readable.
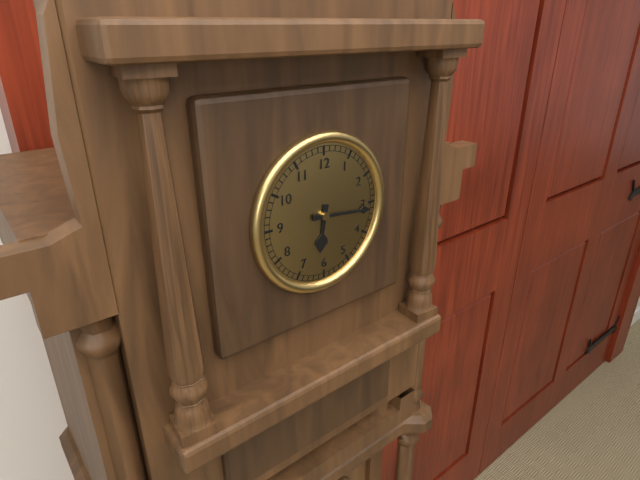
**6:16**
